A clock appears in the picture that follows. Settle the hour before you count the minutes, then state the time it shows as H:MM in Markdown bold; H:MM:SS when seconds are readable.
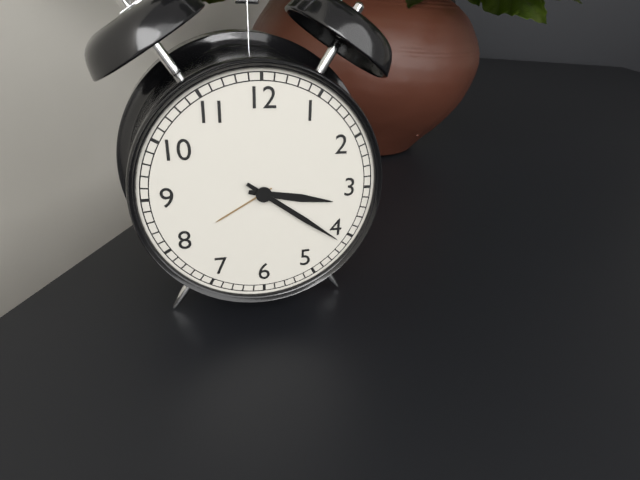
**3:21**
